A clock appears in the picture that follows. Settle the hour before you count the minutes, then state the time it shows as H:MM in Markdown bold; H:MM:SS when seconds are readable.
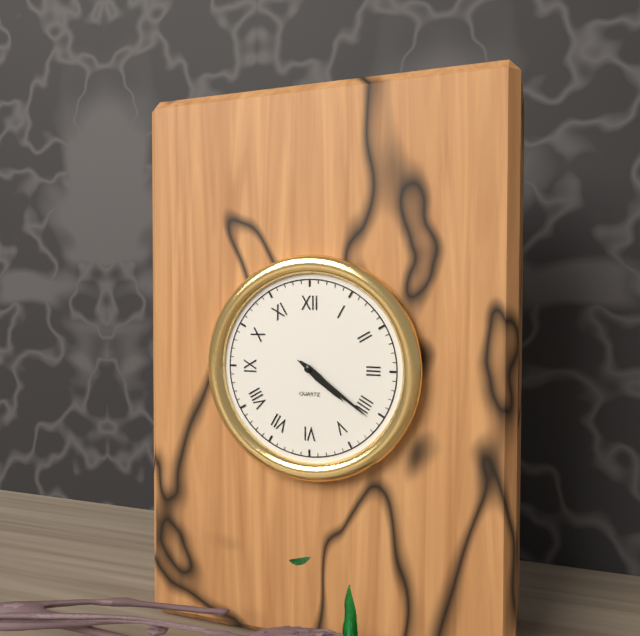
**4:21**
